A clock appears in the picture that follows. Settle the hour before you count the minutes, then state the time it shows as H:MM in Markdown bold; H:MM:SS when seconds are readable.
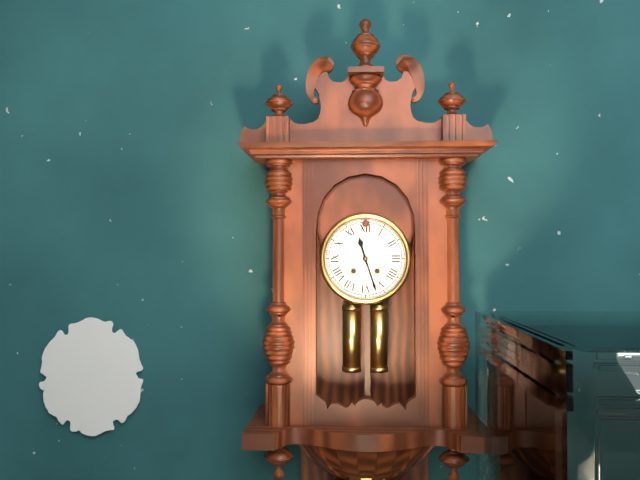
**11:27**
